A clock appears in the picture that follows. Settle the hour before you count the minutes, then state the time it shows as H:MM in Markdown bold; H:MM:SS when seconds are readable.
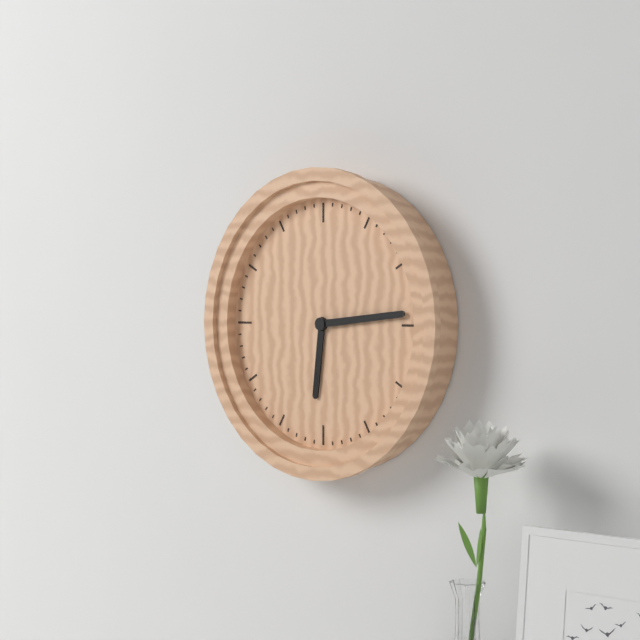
**6:14**
